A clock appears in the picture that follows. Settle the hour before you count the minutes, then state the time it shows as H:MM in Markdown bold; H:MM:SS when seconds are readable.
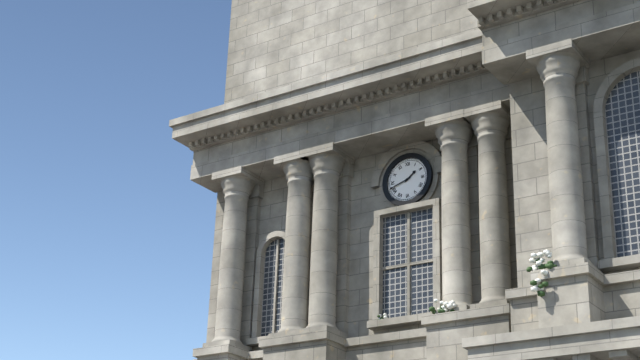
**1:42**
